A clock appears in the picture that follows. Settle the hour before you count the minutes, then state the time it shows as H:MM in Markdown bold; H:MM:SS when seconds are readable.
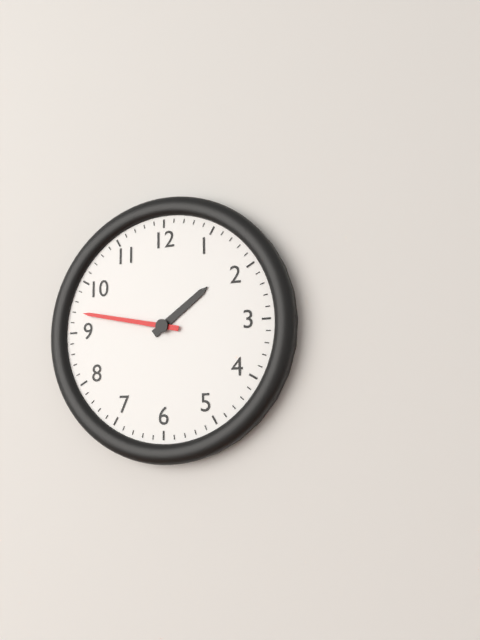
**1:47**
